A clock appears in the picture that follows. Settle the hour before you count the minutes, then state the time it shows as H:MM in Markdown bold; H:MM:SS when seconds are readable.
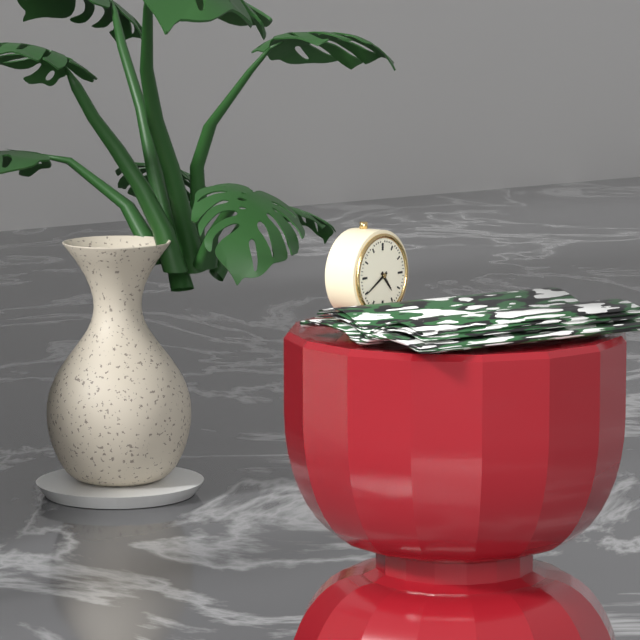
**4:40**
